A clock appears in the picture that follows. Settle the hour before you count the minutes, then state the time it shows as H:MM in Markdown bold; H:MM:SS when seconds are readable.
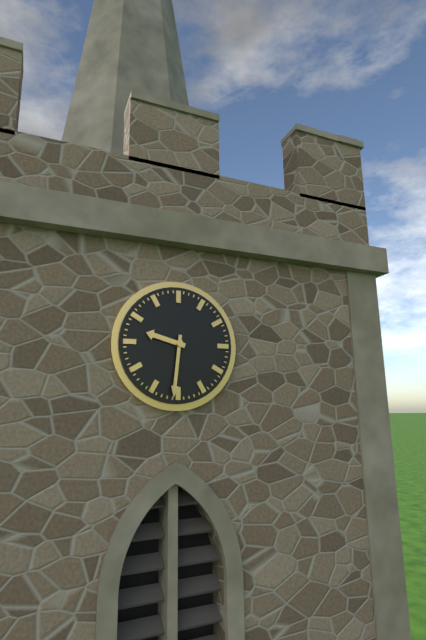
**9:31**
